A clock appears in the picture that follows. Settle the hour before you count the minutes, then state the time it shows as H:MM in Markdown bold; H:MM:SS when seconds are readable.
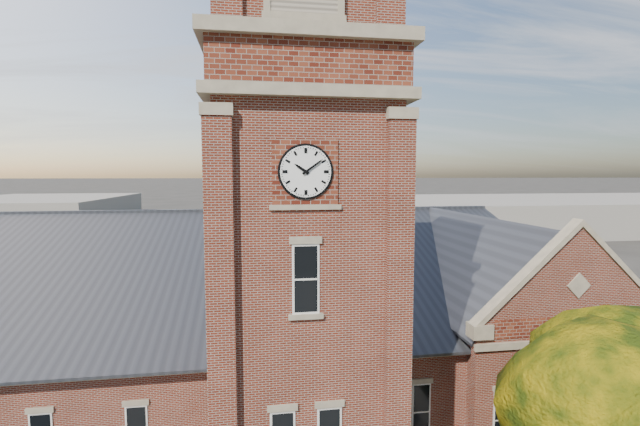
**10:09**
